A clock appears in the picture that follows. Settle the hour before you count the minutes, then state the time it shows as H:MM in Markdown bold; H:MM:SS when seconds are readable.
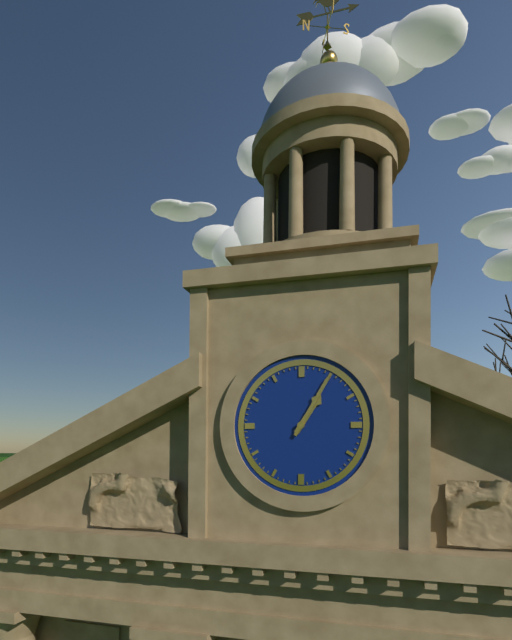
**1:05**
